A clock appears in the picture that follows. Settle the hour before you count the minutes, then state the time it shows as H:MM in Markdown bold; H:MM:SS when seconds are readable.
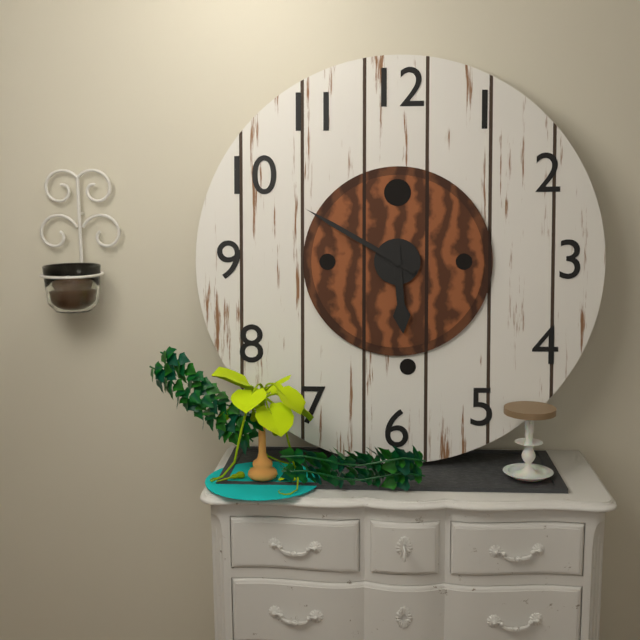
**5:50**
